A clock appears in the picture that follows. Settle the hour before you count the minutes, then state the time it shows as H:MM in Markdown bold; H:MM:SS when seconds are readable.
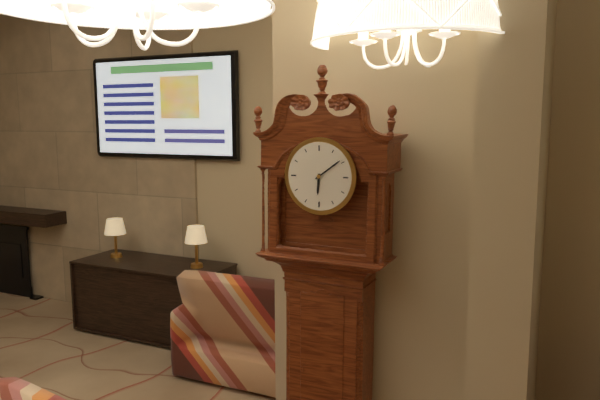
**6:09**
